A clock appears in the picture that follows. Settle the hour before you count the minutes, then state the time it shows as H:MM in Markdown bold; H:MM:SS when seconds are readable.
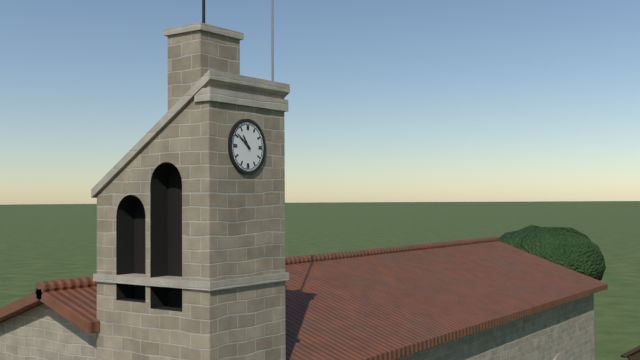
**10:51**
